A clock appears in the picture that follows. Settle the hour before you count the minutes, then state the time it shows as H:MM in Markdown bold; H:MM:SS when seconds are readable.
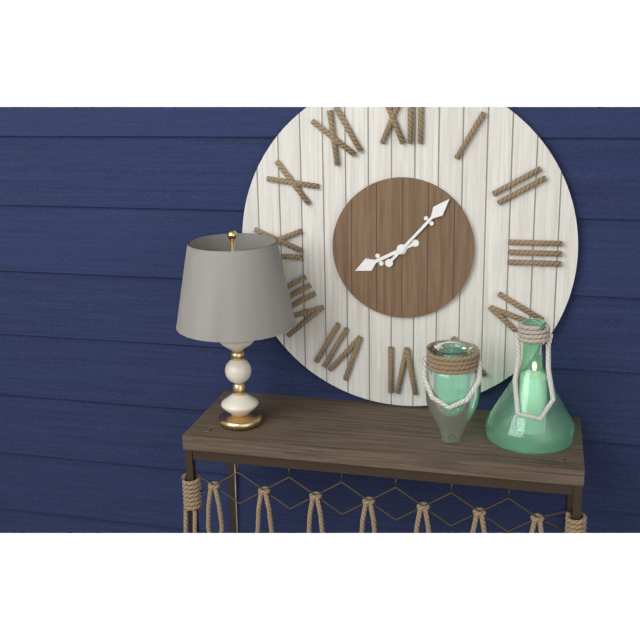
**8:07**
